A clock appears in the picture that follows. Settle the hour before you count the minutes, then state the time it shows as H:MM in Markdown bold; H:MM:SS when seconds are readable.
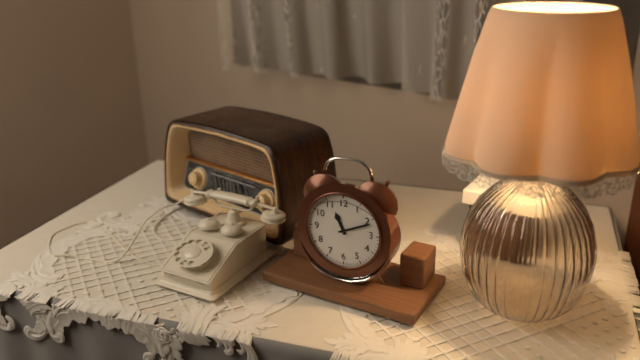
**11:11**
